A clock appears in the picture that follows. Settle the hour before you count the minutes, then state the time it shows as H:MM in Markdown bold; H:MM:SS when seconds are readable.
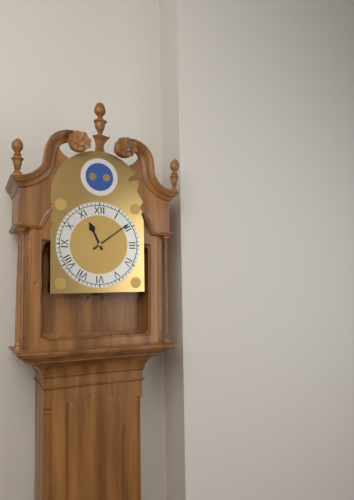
**11:09**
